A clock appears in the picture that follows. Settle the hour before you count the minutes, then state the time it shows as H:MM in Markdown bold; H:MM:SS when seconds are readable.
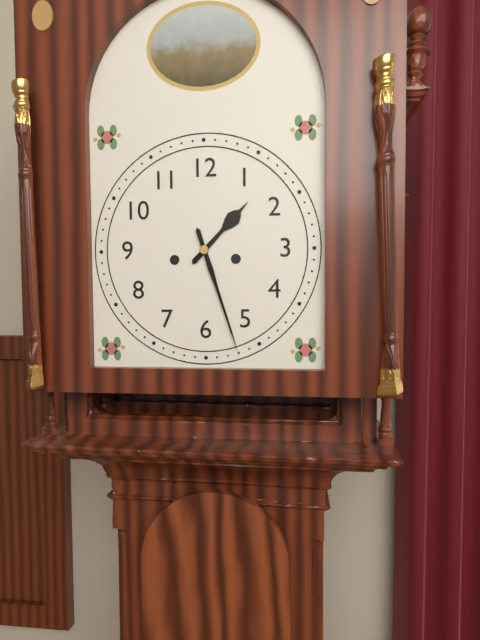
**1:27**
